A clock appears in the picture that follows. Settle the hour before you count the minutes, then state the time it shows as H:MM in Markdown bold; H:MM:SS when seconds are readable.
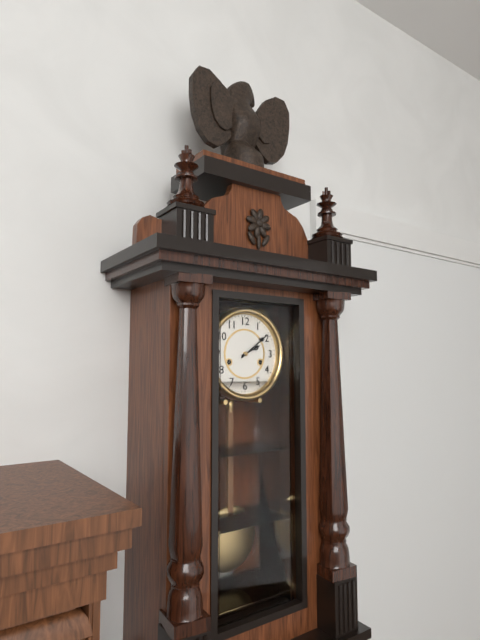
**2:09**
